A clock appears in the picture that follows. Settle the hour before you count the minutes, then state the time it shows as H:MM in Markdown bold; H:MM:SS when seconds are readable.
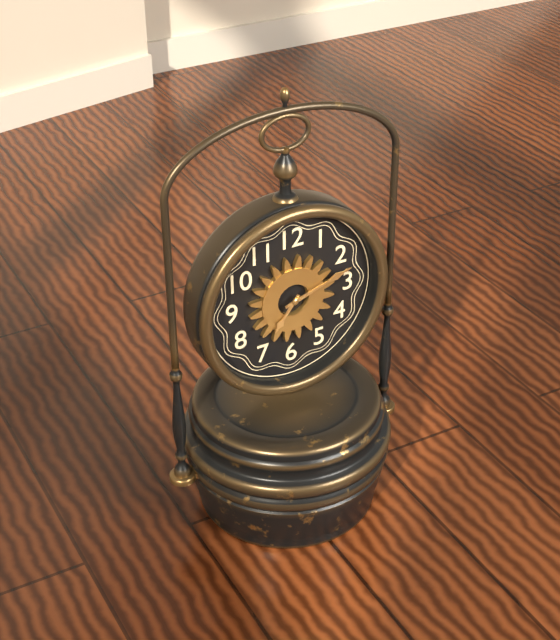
**7:12**
